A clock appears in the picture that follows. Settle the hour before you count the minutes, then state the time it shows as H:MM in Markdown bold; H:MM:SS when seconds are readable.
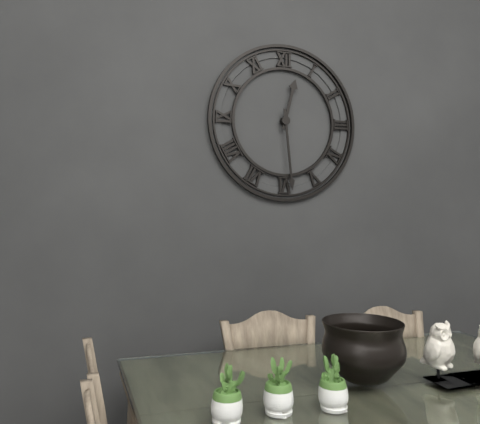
**12:29**
